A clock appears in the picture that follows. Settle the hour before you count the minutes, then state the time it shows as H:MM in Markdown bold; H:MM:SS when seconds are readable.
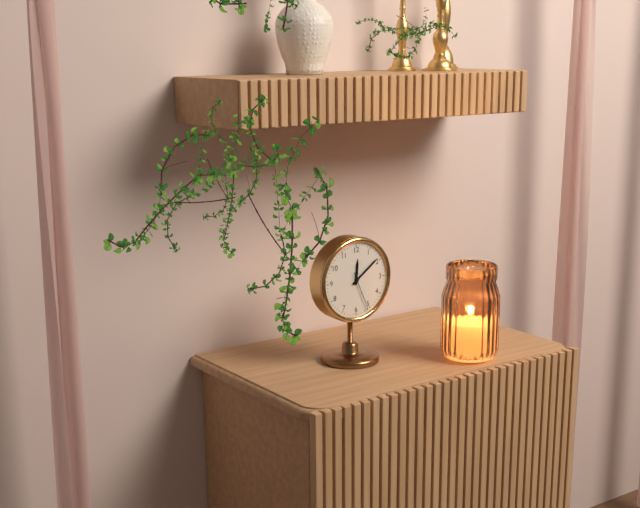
**12:09**
